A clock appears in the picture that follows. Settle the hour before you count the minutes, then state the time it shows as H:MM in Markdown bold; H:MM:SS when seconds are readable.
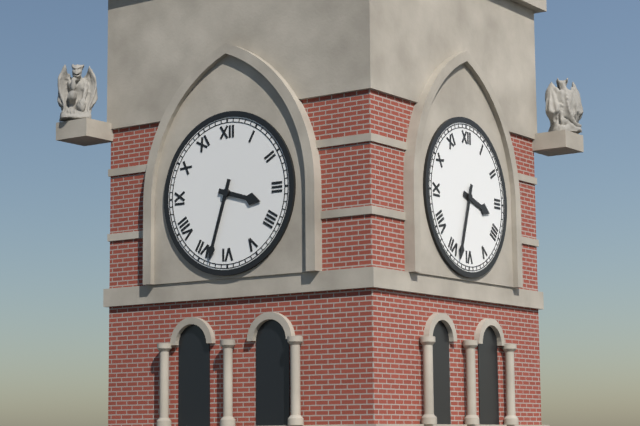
**3:33**
